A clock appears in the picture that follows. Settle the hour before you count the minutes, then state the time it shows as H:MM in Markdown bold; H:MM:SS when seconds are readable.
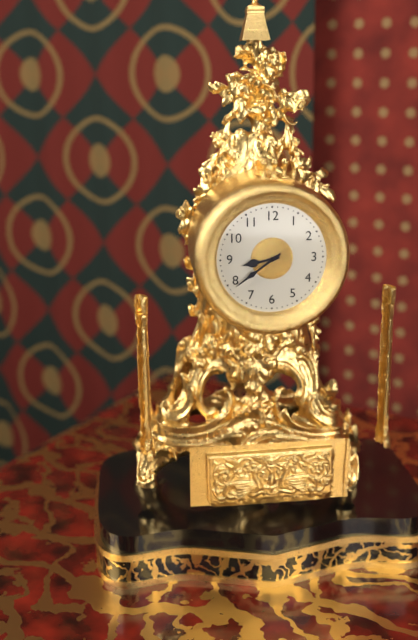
**8:39**
